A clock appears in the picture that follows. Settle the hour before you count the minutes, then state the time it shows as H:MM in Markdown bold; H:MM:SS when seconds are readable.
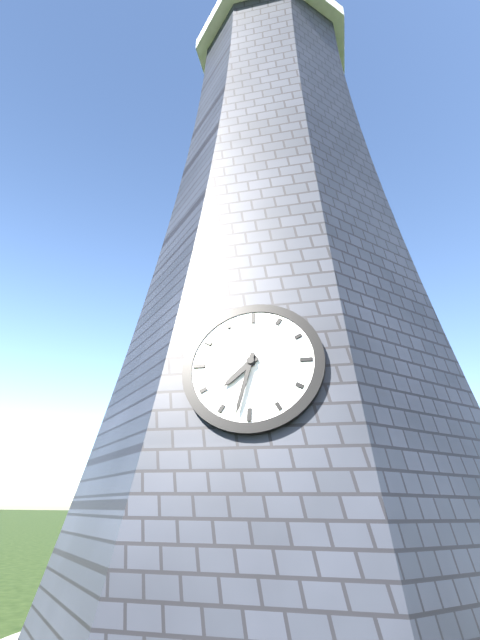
**7:32**
